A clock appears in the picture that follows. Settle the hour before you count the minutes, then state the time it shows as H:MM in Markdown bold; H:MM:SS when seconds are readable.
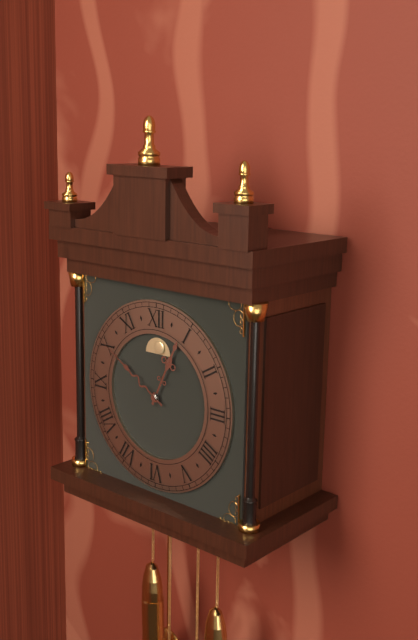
**12:50**
